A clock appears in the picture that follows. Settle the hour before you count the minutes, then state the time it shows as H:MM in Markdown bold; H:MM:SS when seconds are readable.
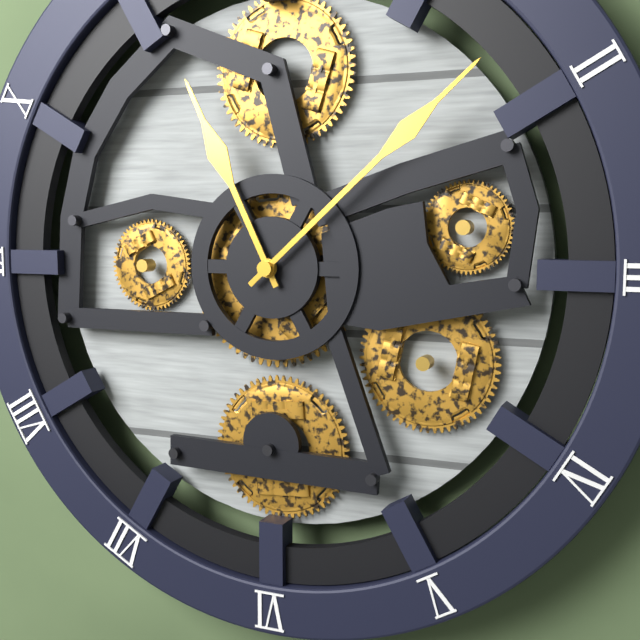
**11:08**
